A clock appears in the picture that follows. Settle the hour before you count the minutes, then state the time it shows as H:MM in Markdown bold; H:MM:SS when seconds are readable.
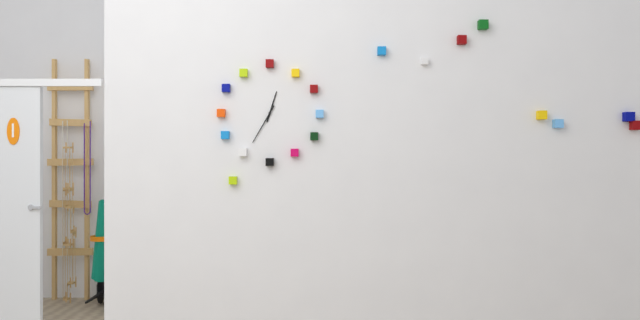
**12:35**
